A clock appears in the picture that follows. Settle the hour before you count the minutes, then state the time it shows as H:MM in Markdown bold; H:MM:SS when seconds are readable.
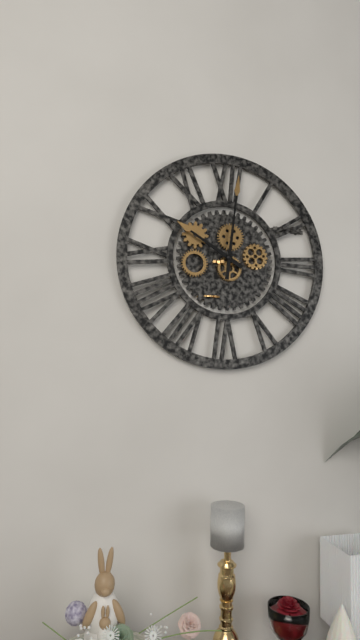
**10:01**
